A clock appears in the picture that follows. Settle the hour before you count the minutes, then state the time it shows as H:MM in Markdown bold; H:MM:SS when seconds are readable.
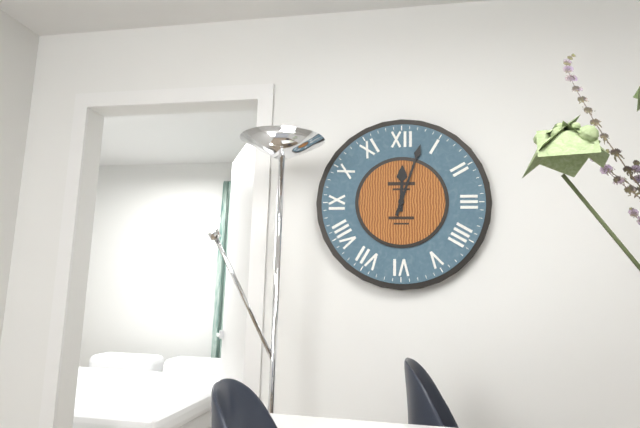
**12:03**
